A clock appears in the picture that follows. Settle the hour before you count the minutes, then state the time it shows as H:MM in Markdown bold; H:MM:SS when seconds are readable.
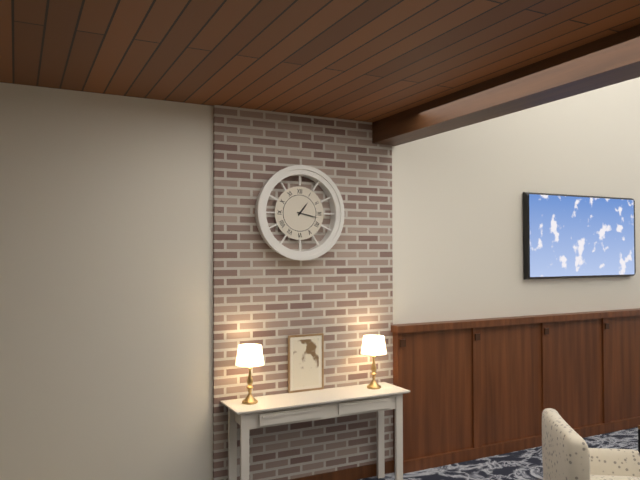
**1:17**
